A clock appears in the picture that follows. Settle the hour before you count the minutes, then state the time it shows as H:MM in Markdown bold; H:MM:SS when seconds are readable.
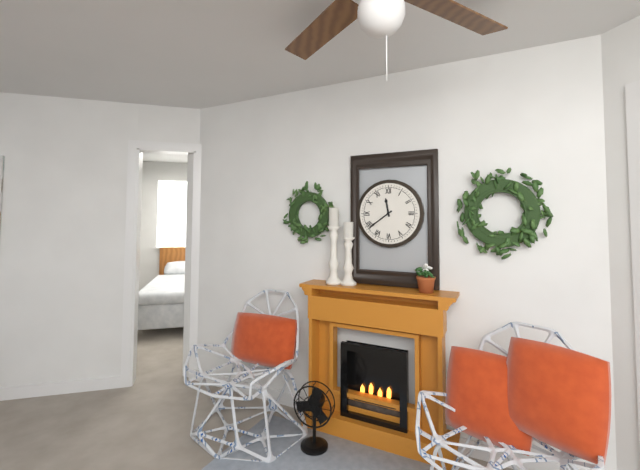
**11:39**
